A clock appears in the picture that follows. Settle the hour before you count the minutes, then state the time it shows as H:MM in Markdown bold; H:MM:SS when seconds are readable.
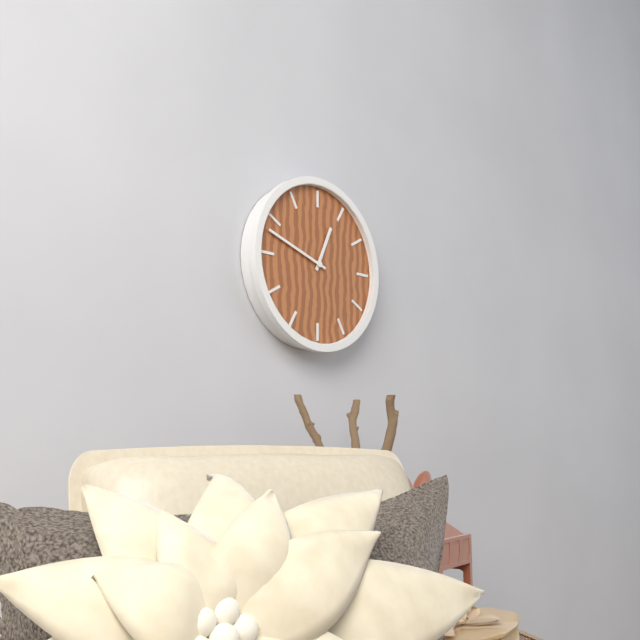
**12:48**
